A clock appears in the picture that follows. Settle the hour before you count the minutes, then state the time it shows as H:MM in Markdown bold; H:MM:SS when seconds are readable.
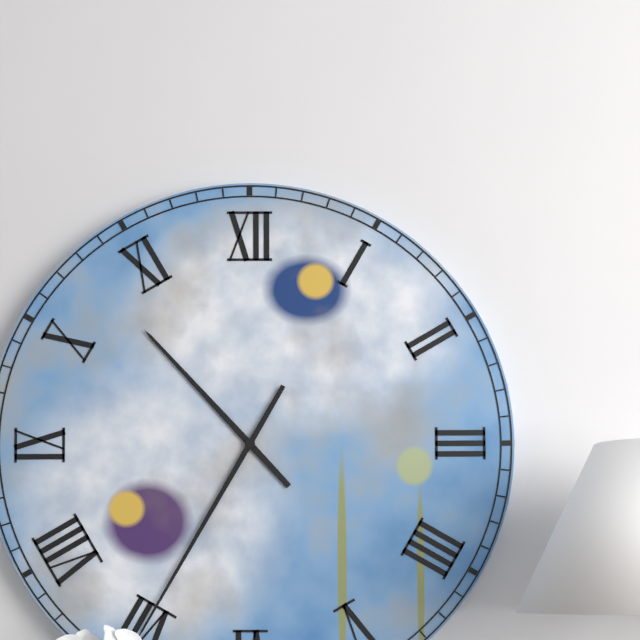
**10:35**
